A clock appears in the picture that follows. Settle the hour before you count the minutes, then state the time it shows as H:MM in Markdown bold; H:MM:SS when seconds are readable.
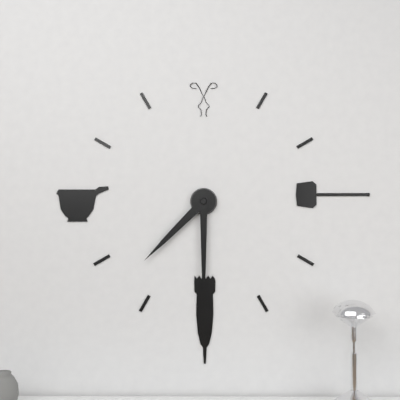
**7:30**
